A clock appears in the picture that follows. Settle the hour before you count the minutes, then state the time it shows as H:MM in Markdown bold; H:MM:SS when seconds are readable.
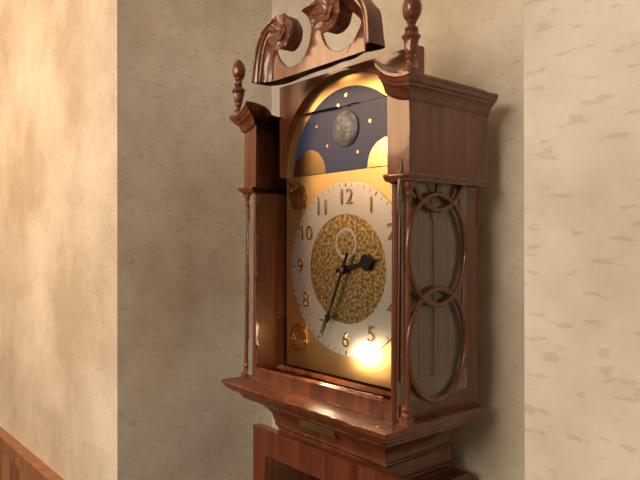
**2:34**
